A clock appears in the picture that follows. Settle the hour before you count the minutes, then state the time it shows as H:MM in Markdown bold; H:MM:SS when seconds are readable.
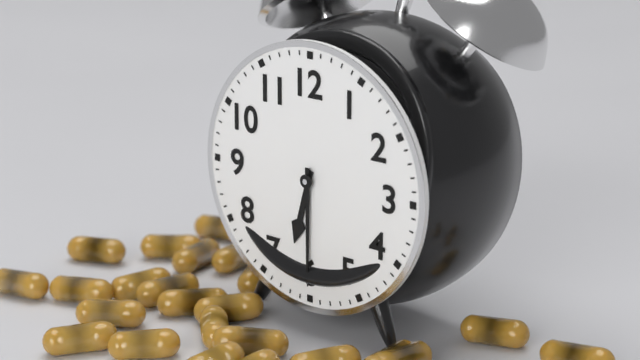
**6:30**
